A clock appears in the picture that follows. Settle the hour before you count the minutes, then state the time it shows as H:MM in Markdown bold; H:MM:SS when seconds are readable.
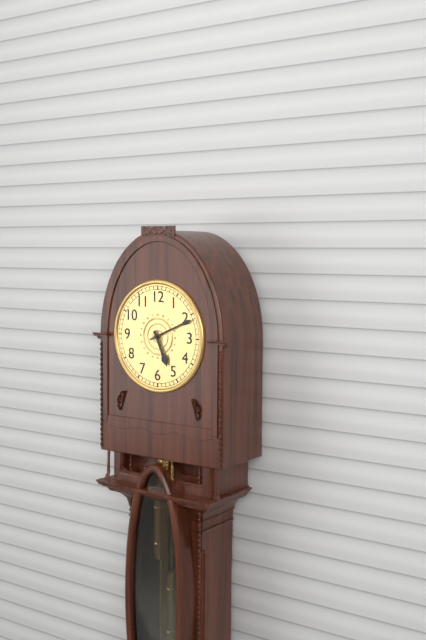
**5:11**
